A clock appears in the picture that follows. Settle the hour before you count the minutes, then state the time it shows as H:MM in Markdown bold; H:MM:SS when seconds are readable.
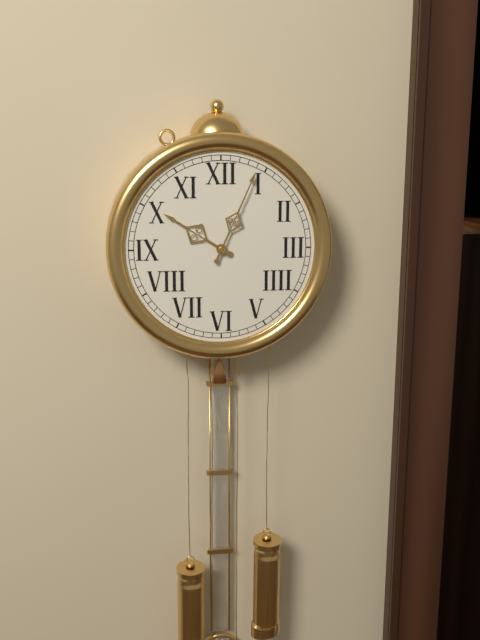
**10:04**
